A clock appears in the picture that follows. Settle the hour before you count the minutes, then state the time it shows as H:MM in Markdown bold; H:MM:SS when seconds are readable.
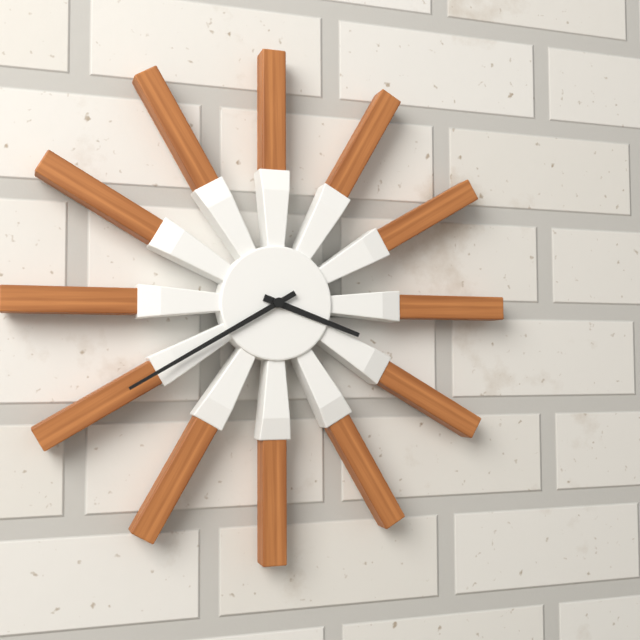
**3:40**
